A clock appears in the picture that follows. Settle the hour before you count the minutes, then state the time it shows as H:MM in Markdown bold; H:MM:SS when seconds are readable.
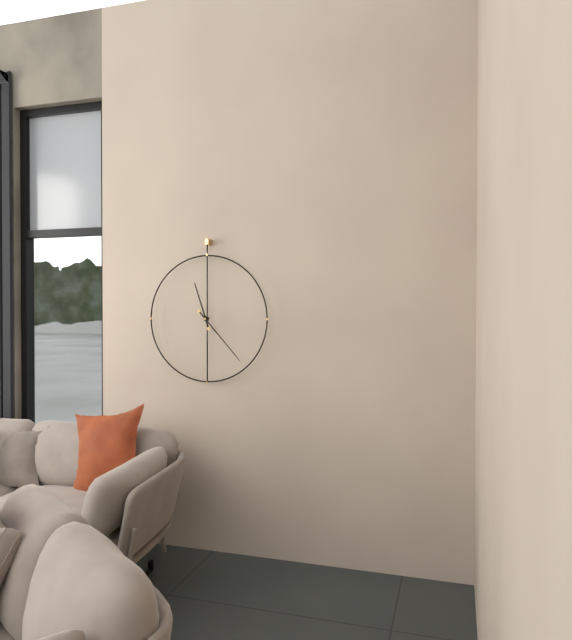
**11:23**
